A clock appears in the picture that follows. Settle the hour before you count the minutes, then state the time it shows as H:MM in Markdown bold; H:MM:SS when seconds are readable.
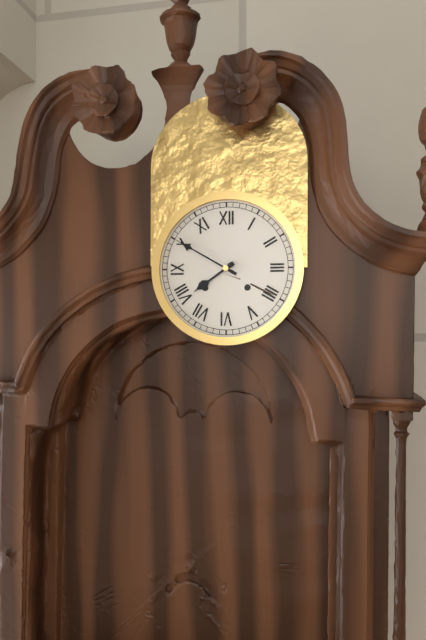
**7:50**
